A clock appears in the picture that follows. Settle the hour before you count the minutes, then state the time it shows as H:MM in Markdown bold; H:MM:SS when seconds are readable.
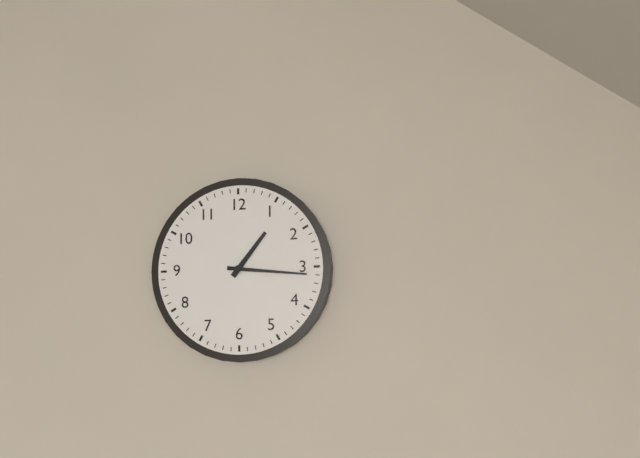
**1:16**
